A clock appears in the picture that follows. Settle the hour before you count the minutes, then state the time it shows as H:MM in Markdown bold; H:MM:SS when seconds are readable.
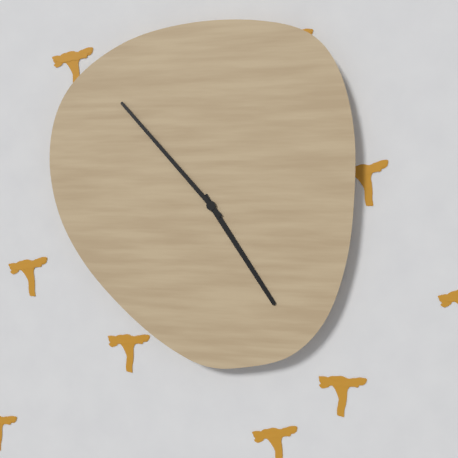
**4:53**
